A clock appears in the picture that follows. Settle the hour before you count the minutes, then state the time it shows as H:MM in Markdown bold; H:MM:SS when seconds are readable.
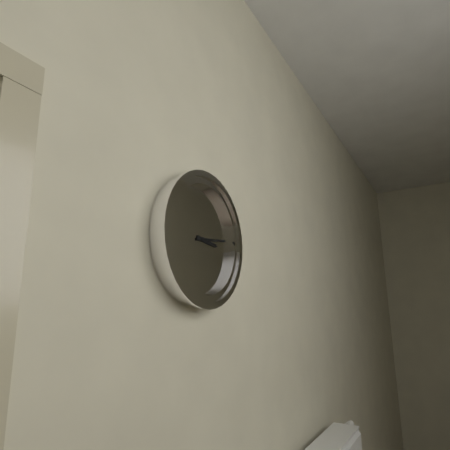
**3:14**
